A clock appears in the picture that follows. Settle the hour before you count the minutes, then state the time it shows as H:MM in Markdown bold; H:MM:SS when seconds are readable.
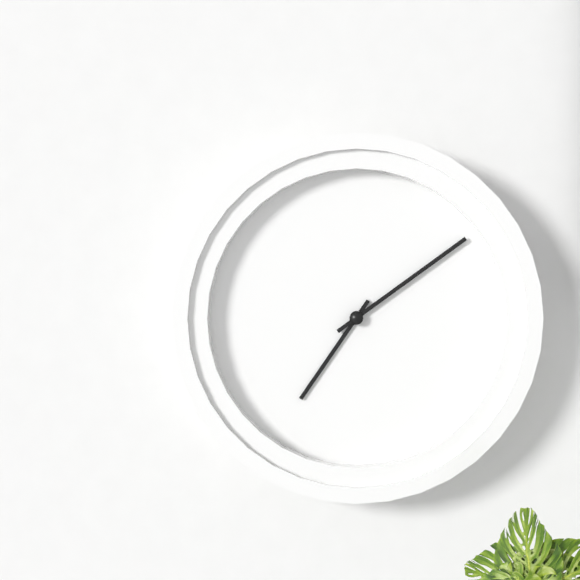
**7:09**
